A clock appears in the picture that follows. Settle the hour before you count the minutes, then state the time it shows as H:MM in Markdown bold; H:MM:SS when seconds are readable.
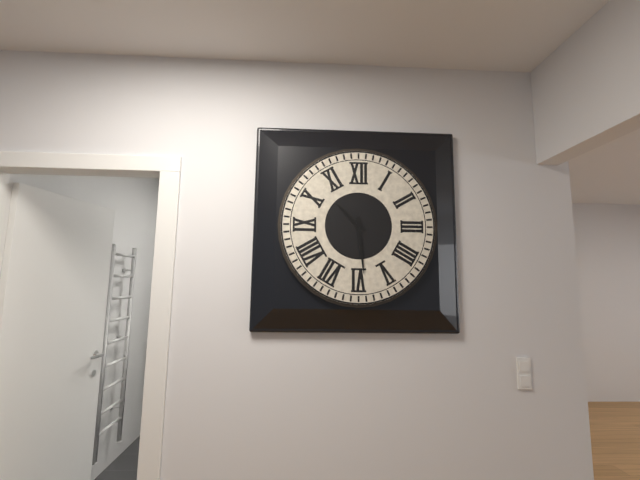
**10:29**
